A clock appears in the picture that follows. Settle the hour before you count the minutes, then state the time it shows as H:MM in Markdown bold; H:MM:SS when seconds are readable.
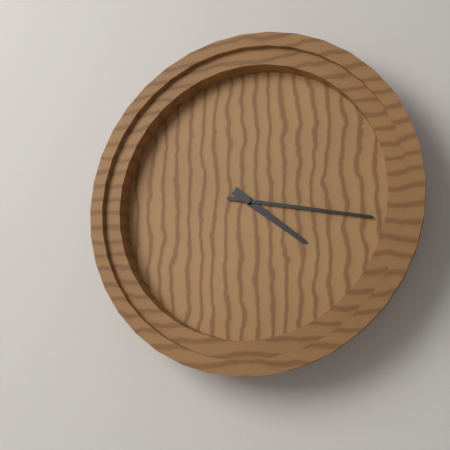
**4:17**
